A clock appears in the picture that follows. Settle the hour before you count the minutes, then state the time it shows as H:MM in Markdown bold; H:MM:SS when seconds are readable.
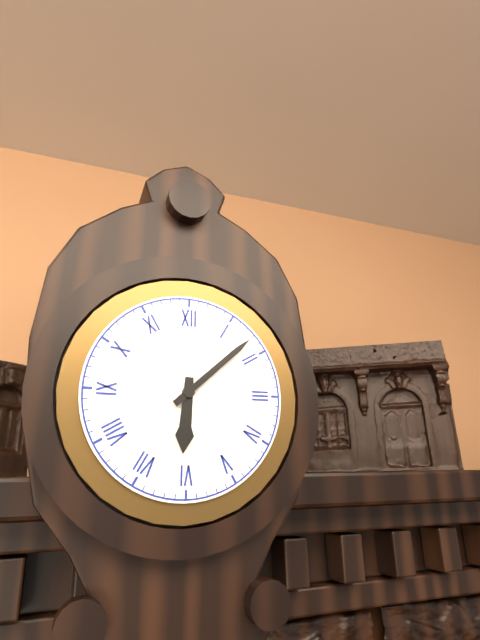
**6:08**
